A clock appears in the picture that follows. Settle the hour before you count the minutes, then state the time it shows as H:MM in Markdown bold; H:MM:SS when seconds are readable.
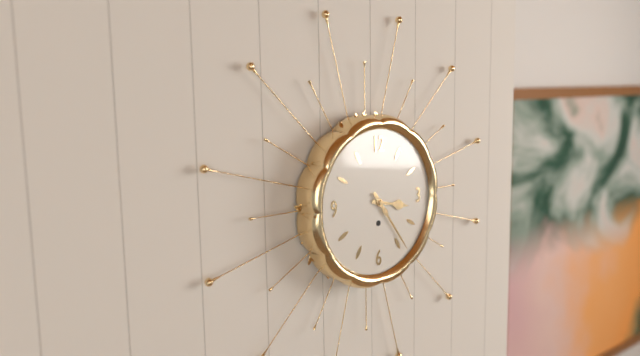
**3:24**
